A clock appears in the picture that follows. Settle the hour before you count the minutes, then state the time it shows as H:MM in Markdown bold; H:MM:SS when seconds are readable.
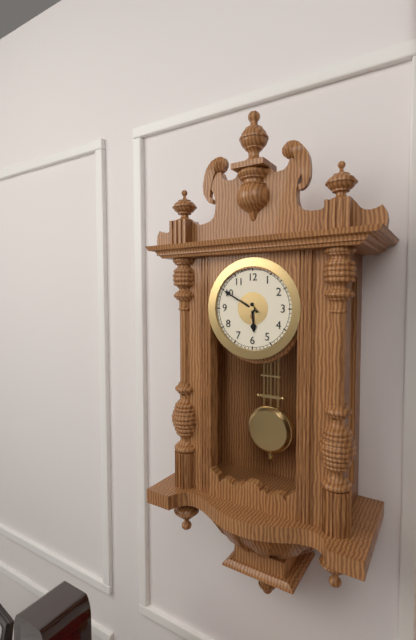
**5:50**
